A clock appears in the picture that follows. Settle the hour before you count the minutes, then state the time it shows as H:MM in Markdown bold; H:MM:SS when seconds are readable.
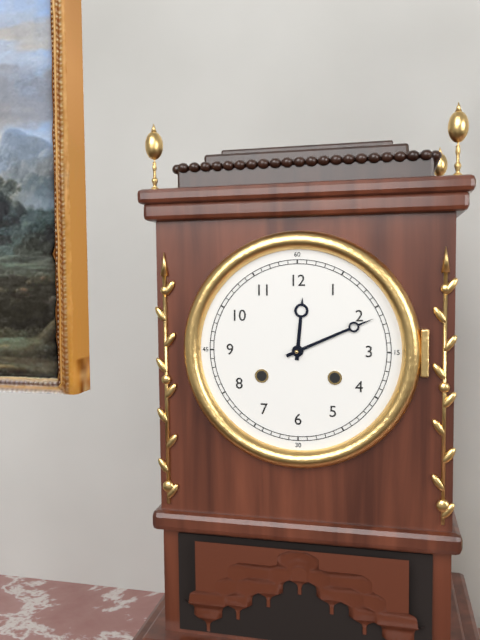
**12:11**
